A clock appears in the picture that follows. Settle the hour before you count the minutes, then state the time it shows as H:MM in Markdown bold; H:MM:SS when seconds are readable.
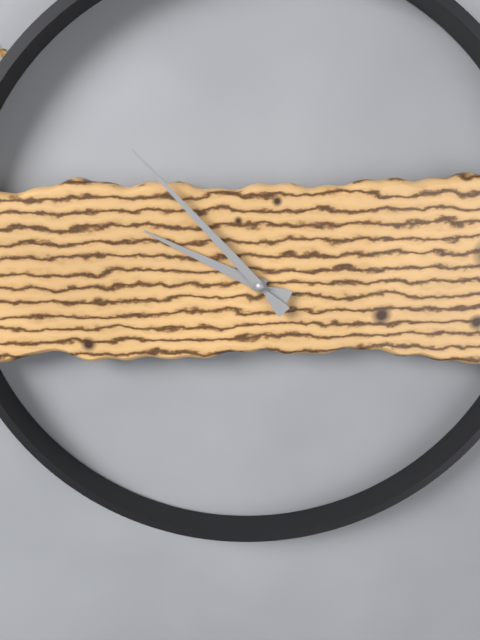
**9:53**
